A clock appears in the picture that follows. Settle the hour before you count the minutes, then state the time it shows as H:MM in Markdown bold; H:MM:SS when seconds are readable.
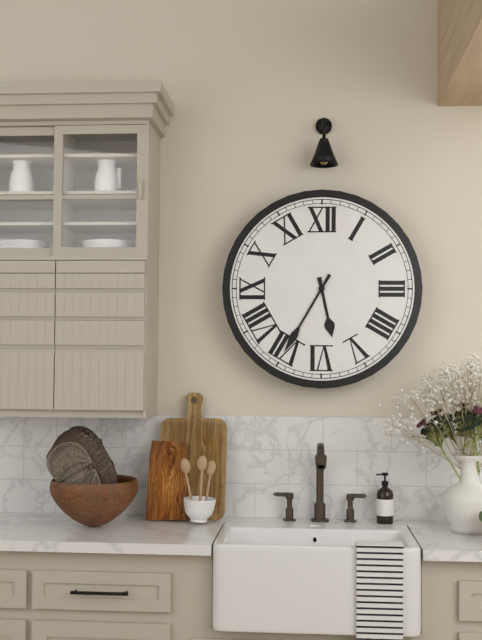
**5:35**
